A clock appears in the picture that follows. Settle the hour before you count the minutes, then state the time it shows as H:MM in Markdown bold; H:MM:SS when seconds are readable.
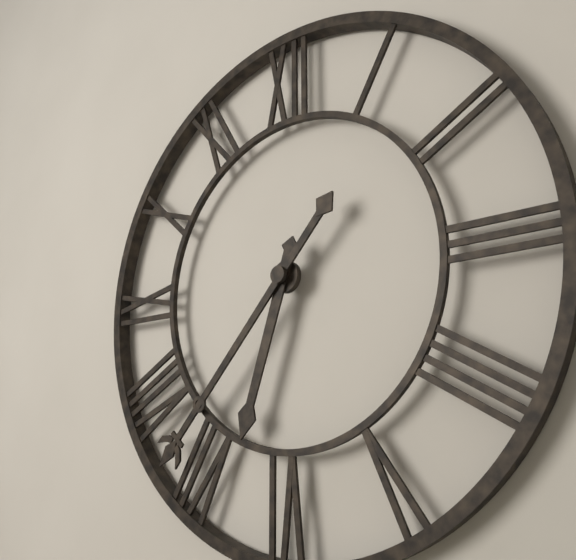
**6:37**
